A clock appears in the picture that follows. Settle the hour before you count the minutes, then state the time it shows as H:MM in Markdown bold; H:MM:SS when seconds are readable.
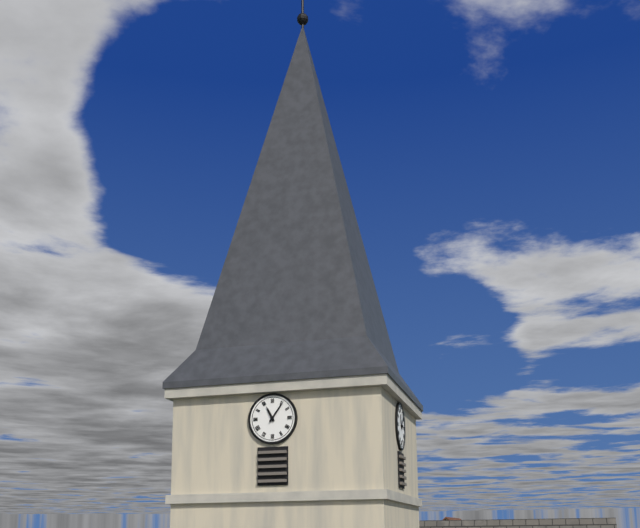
**11:06**
